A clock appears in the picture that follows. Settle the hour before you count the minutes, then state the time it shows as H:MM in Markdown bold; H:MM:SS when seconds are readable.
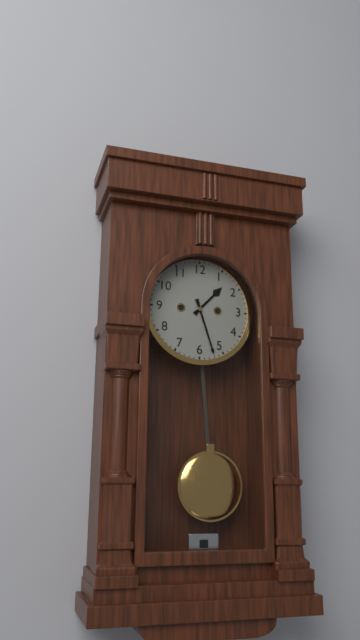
**1:27**
